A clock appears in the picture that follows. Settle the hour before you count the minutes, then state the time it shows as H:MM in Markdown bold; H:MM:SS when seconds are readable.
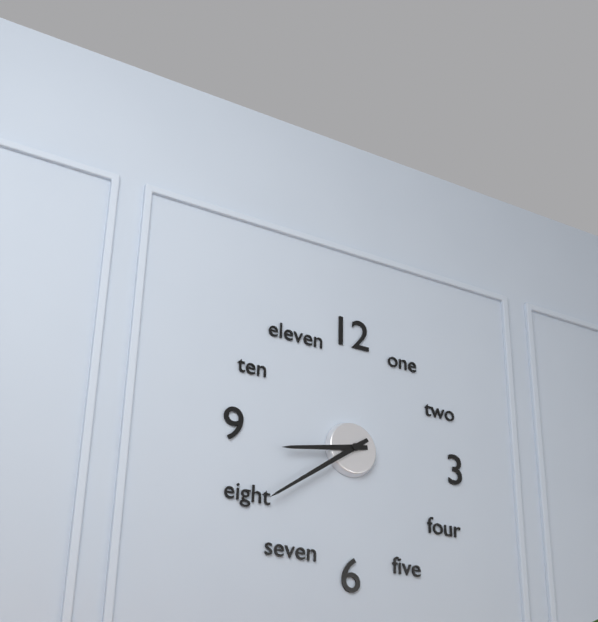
**8:39**
